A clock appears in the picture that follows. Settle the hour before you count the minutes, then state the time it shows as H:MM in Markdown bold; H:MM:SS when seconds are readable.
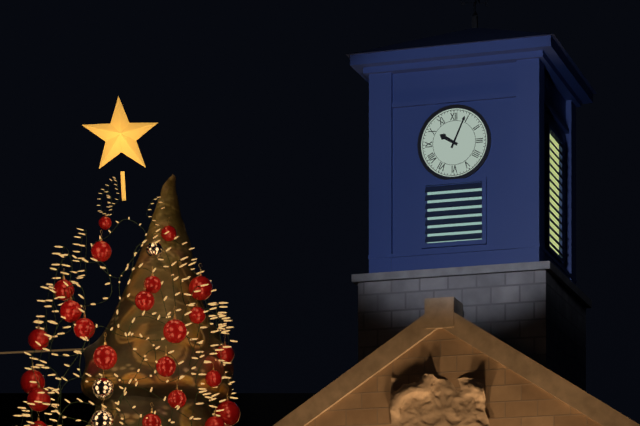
**10:04**
